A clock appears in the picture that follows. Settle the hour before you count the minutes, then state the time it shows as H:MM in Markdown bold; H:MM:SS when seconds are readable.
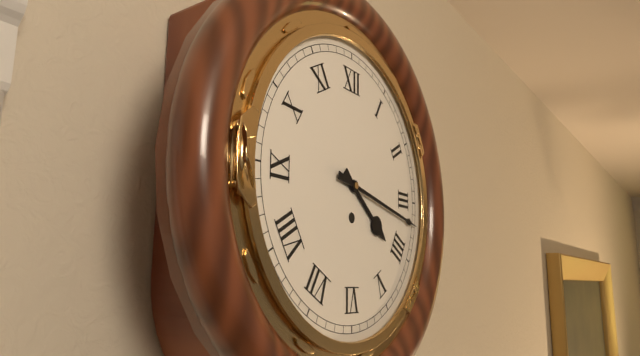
**4:17**
